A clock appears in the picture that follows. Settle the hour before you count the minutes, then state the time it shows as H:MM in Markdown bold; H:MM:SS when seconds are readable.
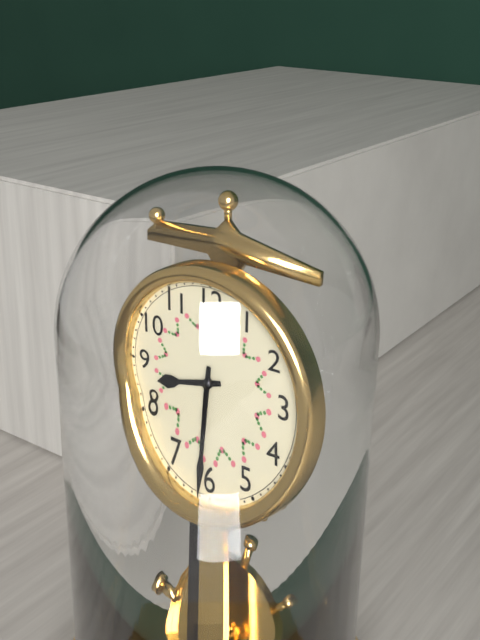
**8:31**
